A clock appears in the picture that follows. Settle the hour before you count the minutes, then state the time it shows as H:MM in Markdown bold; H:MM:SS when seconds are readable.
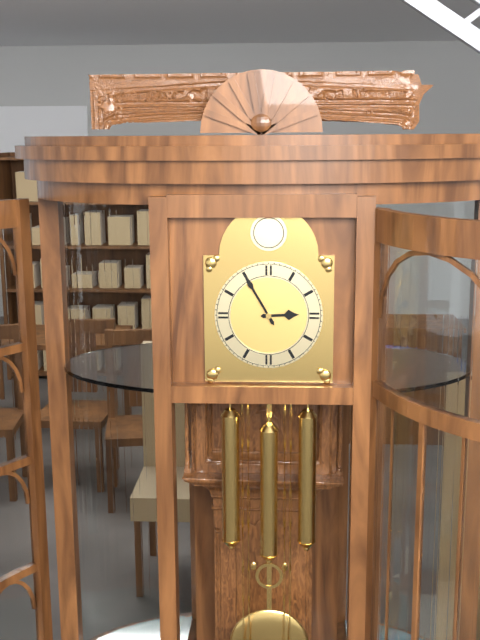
**2:55**
